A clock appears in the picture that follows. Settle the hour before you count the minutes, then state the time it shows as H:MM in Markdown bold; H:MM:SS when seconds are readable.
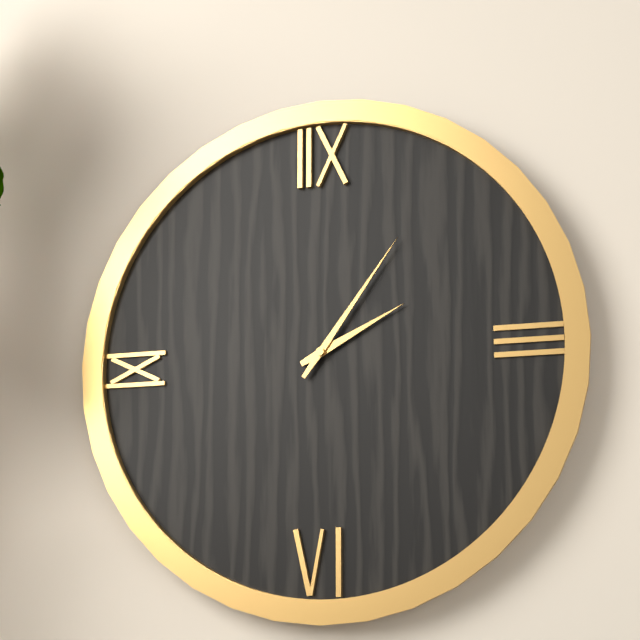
**2:06**
